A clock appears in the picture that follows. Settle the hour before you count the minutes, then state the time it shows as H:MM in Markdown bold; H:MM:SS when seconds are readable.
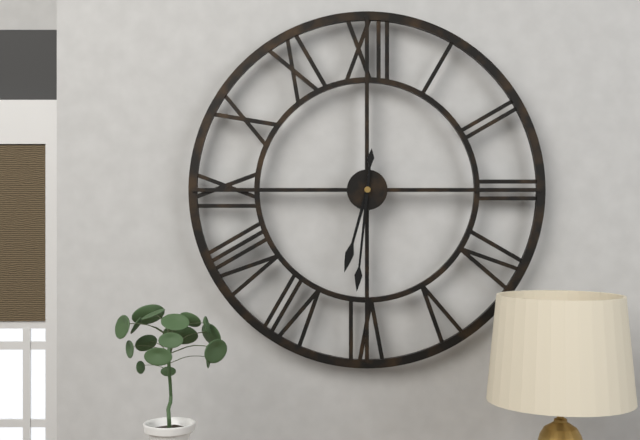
**6:31**
